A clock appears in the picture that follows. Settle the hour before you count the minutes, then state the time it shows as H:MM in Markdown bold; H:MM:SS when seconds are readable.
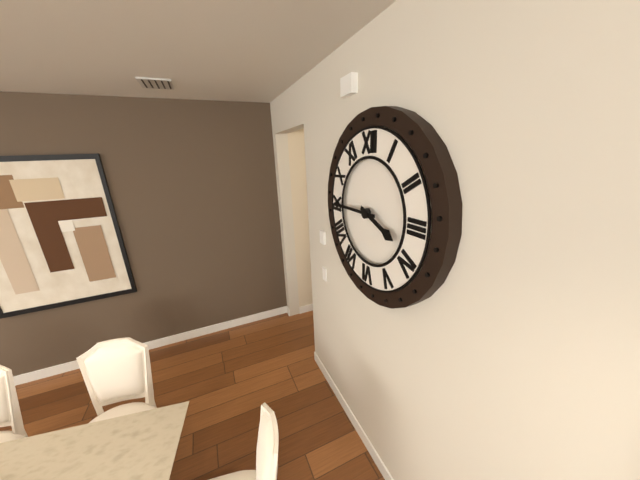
**3:45**
